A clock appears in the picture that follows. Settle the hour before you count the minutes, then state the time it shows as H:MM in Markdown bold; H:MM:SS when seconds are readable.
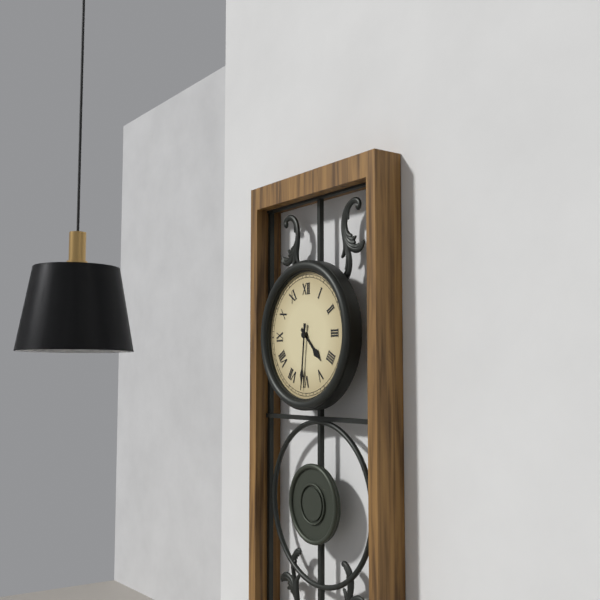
**4:31**
